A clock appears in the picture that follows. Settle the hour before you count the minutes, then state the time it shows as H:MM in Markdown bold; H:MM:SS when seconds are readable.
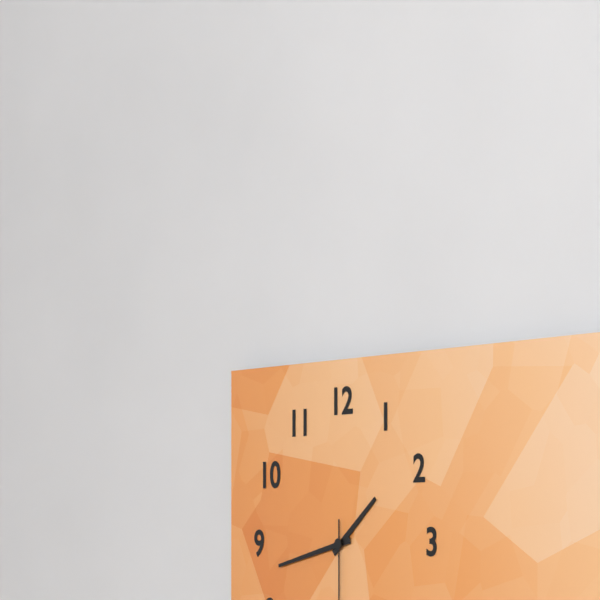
**1:43**
